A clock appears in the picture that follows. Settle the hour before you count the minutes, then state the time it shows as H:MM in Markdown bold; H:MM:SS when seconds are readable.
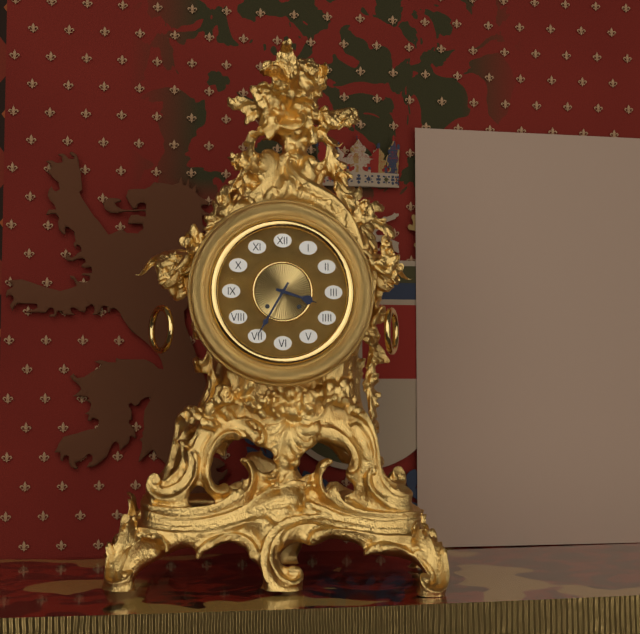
**3:35**
